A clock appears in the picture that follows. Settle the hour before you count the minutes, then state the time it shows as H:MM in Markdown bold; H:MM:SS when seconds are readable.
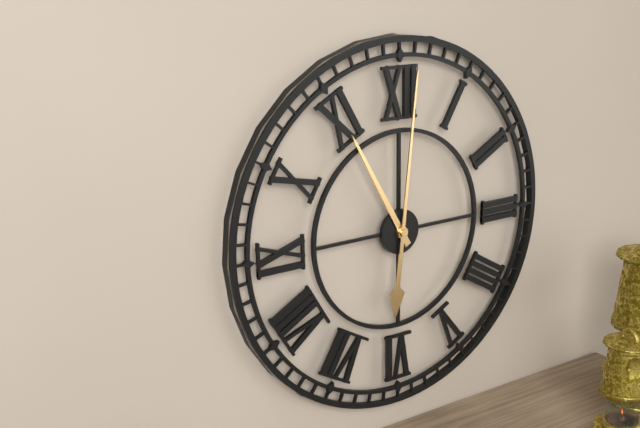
**11:01**
